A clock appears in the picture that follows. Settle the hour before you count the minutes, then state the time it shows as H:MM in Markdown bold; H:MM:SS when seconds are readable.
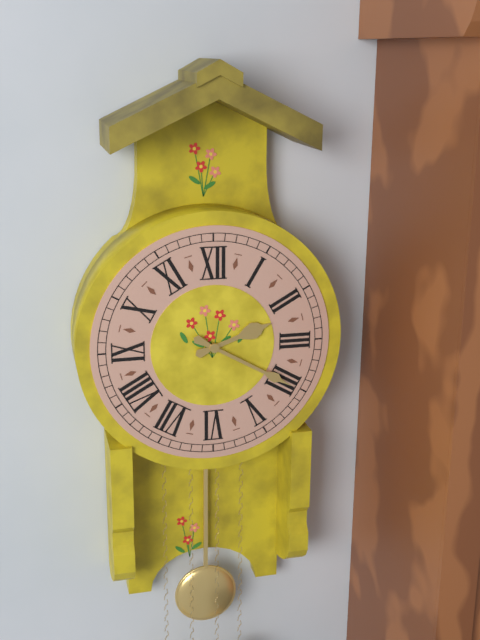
**2:20**
